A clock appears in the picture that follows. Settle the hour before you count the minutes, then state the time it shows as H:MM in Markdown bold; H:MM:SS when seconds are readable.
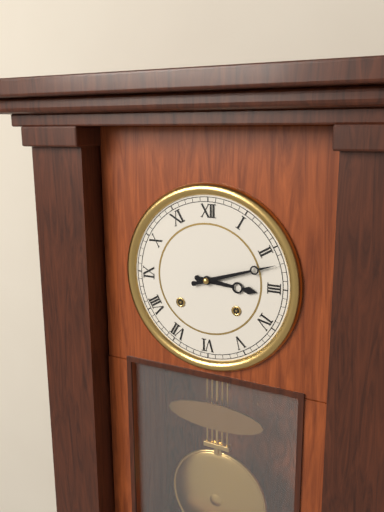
**3:12**
